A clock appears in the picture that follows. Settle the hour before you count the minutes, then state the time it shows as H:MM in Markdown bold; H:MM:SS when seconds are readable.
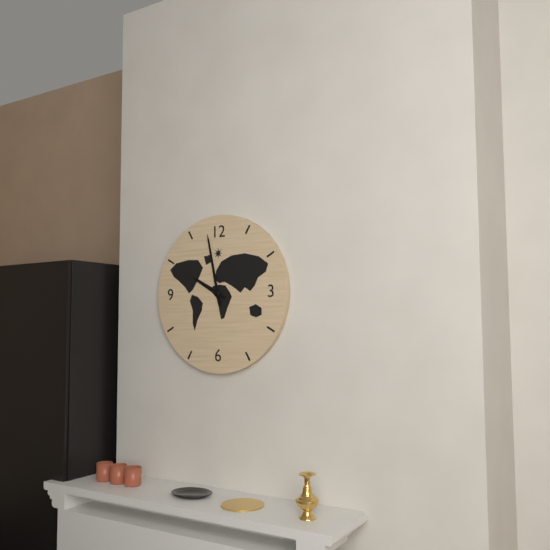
**9:58**
